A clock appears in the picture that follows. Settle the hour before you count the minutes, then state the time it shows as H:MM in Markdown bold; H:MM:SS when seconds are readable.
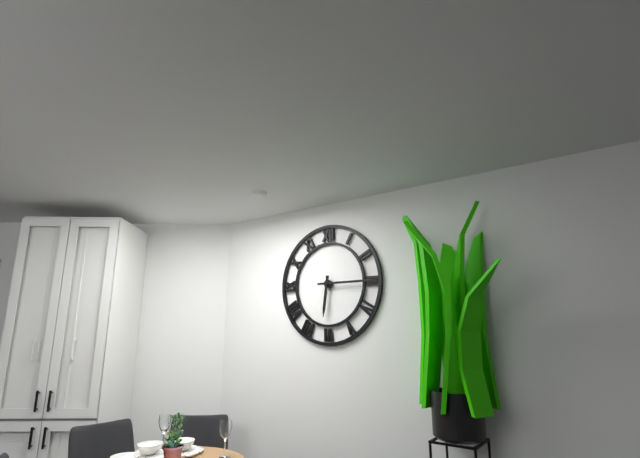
**6:15**
